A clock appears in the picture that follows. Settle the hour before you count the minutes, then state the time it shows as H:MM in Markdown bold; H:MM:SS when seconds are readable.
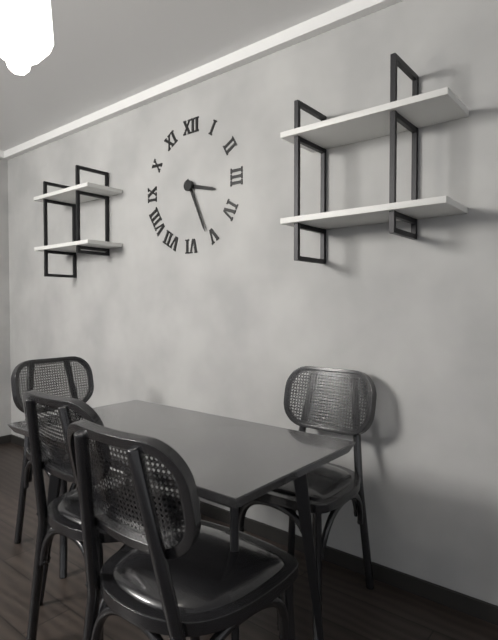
**3:26**
